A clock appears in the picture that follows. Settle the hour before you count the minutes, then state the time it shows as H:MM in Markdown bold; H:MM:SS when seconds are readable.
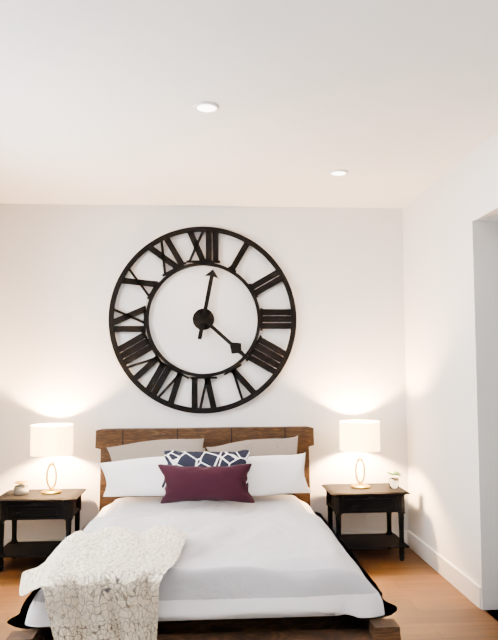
**12:22**
